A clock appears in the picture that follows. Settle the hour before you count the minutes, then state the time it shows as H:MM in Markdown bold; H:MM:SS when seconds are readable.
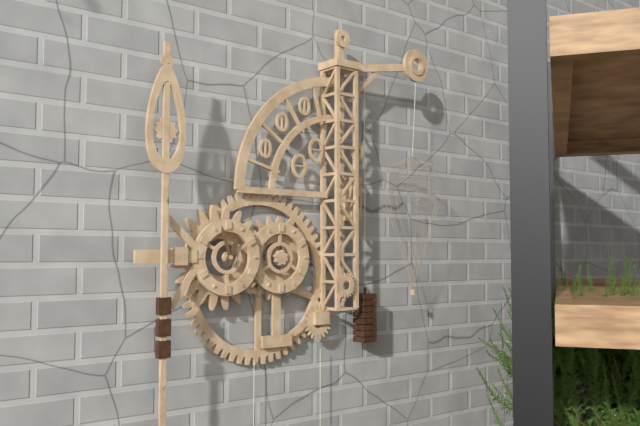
**12:57**
